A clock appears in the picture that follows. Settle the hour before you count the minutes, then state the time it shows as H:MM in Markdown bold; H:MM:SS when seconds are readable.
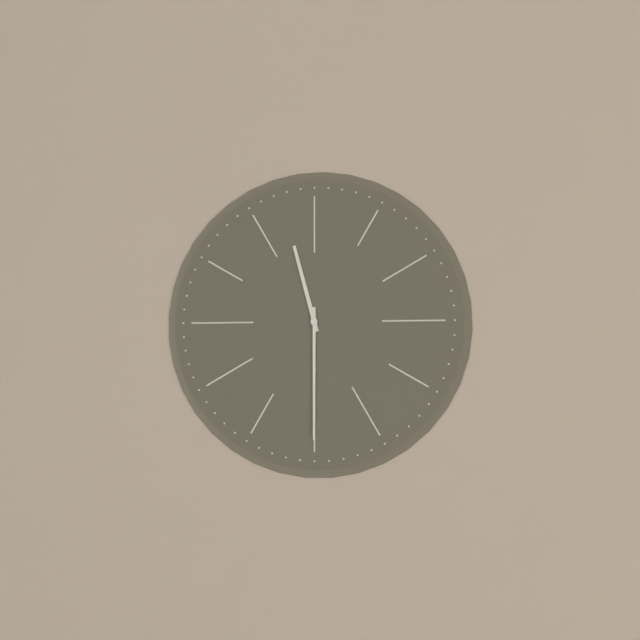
**11:30**
